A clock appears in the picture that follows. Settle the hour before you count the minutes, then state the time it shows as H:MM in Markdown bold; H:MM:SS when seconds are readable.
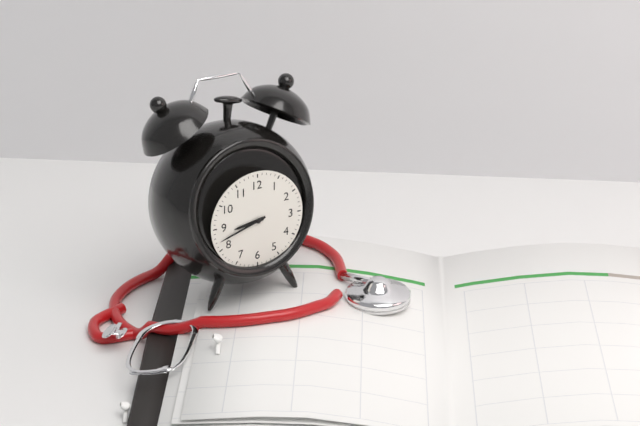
**8:42**
